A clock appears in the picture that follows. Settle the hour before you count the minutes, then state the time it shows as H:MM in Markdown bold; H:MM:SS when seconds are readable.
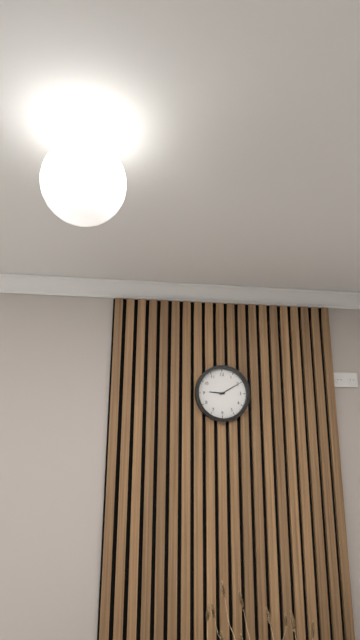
**9:10**
